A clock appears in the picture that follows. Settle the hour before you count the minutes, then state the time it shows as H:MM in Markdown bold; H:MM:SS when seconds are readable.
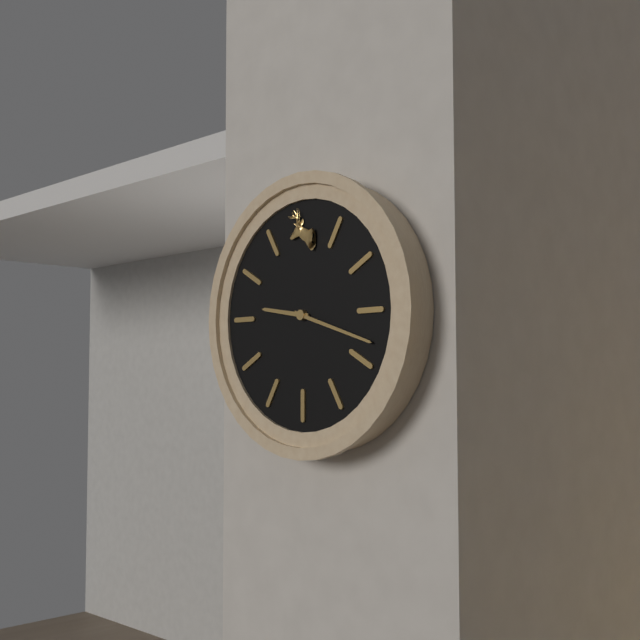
**9:18**
